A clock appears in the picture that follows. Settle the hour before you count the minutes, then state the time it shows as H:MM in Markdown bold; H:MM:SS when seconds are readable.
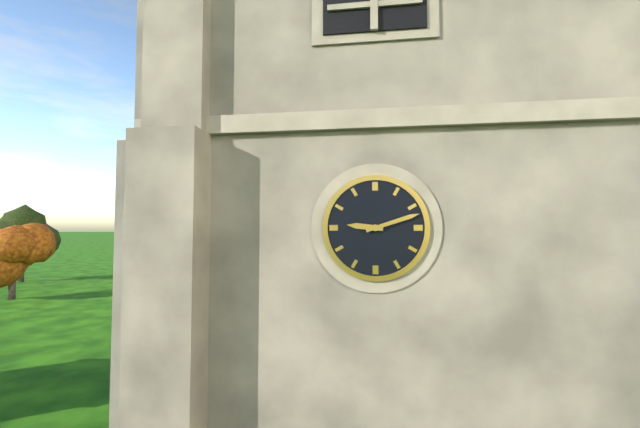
**9:12**
